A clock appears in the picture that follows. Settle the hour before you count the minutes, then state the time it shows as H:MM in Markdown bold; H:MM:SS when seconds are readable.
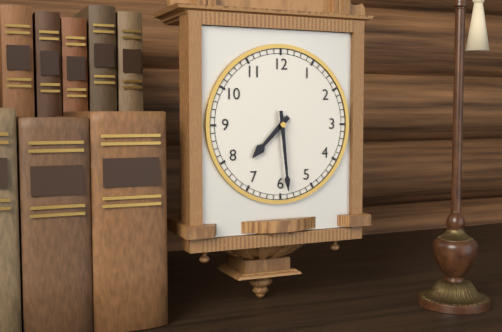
**7:29**
